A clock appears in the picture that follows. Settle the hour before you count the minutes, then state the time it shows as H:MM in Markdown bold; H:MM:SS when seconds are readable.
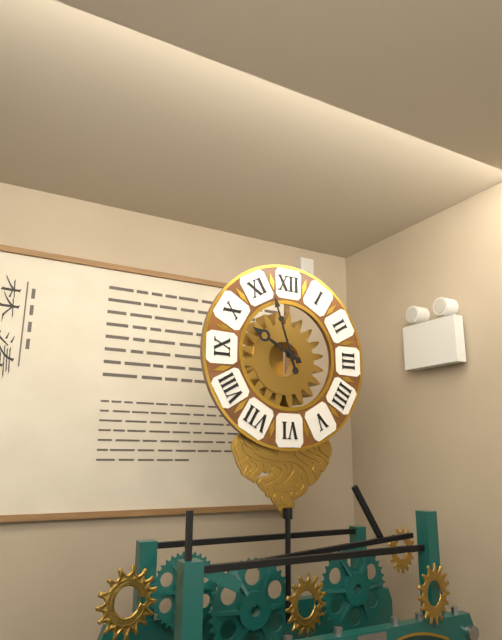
**9:57**
